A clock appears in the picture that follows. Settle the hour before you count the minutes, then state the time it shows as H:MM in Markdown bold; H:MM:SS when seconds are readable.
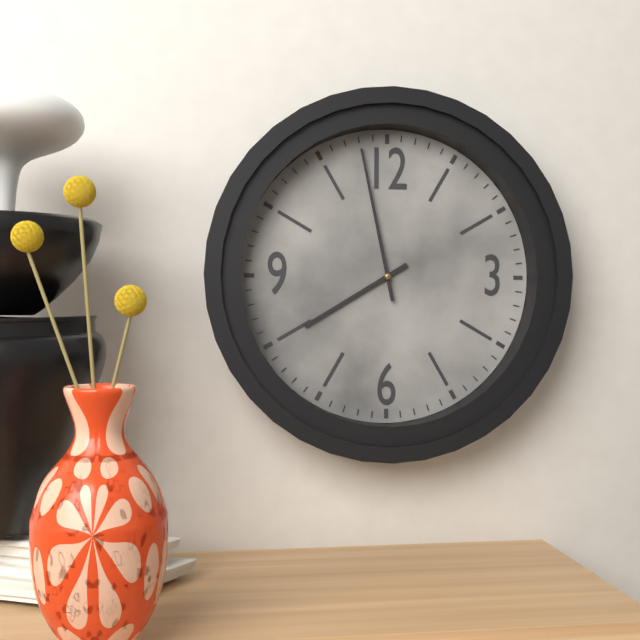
**7:58**
